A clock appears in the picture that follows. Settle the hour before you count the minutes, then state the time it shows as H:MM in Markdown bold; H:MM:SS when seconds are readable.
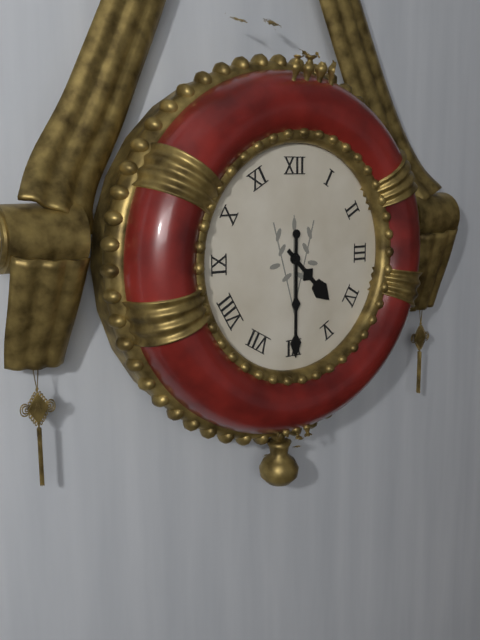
**4:30**
